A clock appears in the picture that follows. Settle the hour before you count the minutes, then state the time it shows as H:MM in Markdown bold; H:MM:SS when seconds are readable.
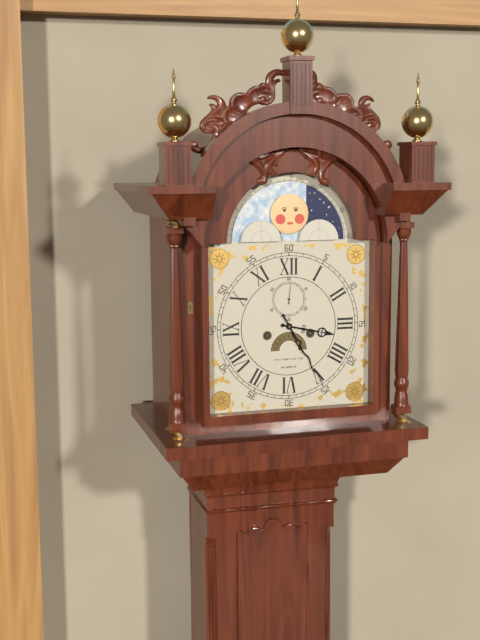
**3:25**
